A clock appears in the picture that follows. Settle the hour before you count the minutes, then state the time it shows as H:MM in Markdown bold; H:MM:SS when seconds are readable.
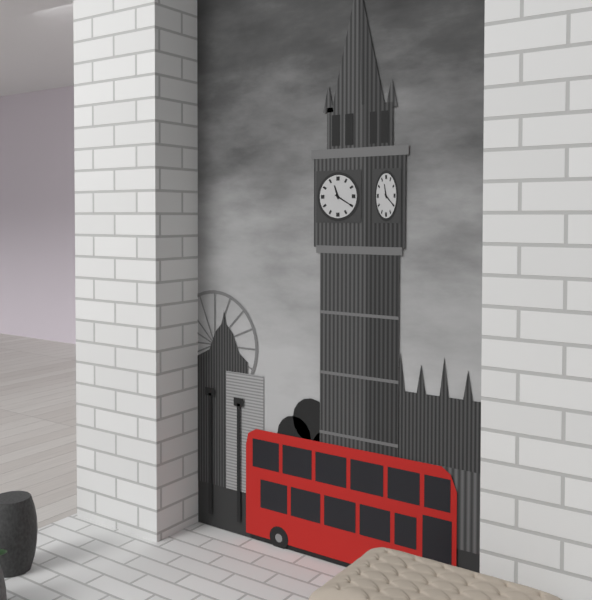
**11:20**
